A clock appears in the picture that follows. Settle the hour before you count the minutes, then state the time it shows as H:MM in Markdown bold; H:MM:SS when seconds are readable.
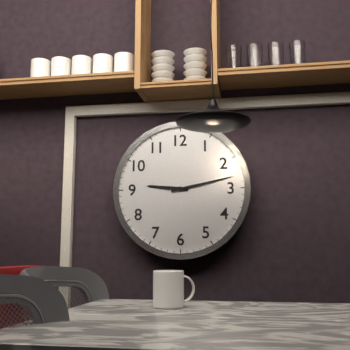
**9:13**
